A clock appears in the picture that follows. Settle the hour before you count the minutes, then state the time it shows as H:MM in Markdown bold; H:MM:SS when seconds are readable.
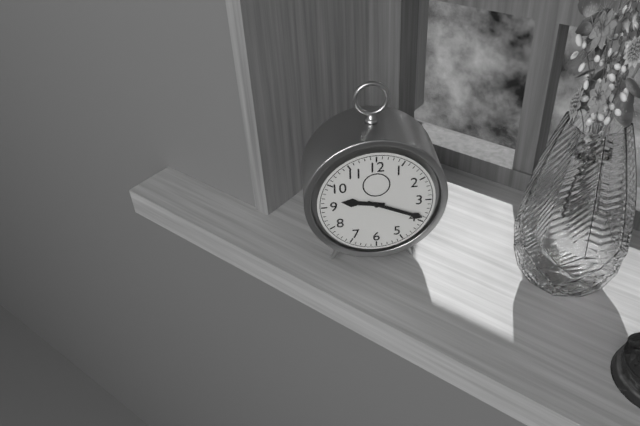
**9:19**
